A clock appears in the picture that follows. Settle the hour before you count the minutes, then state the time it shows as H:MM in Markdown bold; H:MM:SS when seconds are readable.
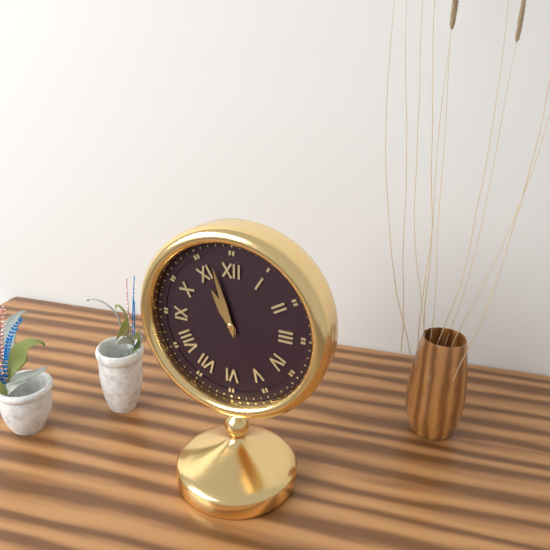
**10:57**
